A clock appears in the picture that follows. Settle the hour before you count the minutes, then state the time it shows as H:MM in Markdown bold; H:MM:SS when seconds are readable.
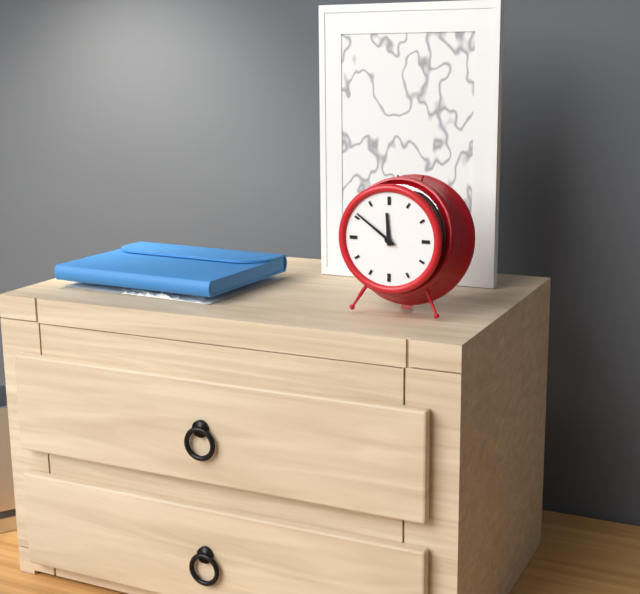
**11:51**
